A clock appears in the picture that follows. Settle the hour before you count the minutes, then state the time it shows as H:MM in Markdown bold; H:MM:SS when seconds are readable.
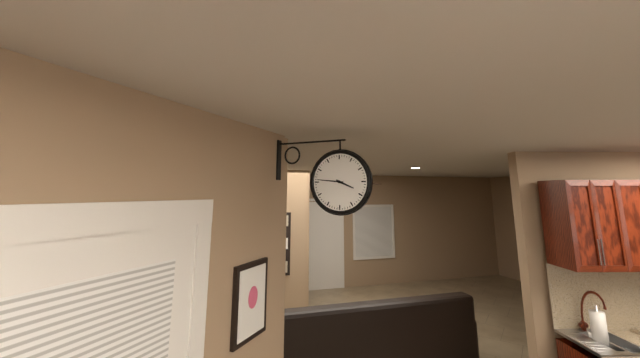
**3:46**
